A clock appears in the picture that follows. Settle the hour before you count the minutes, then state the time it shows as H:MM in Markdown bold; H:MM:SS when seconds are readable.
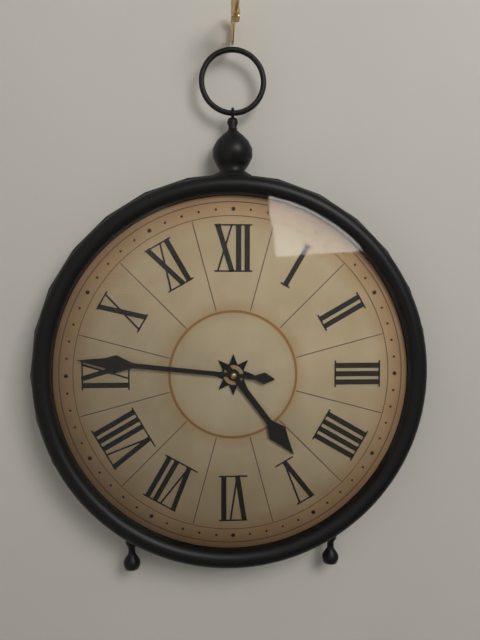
**4:46**
